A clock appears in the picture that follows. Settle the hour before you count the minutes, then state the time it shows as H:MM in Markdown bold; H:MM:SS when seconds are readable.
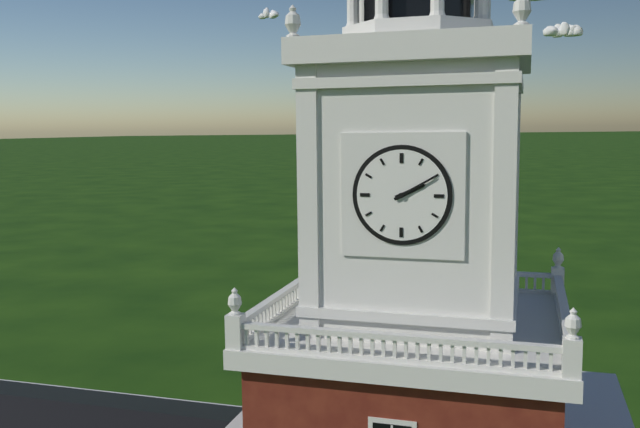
**2:10**
